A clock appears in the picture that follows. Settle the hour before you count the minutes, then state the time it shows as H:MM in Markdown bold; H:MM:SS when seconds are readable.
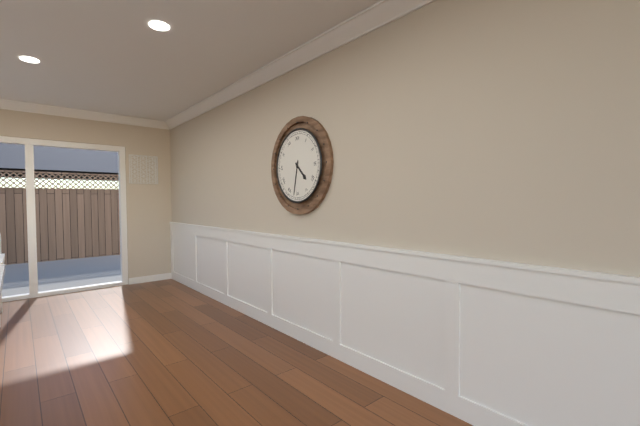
**4:32**
